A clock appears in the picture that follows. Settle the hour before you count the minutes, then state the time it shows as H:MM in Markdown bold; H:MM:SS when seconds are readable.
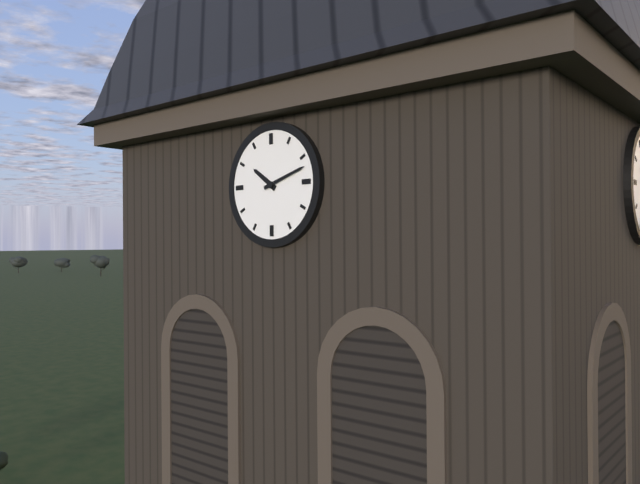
**10:12**
